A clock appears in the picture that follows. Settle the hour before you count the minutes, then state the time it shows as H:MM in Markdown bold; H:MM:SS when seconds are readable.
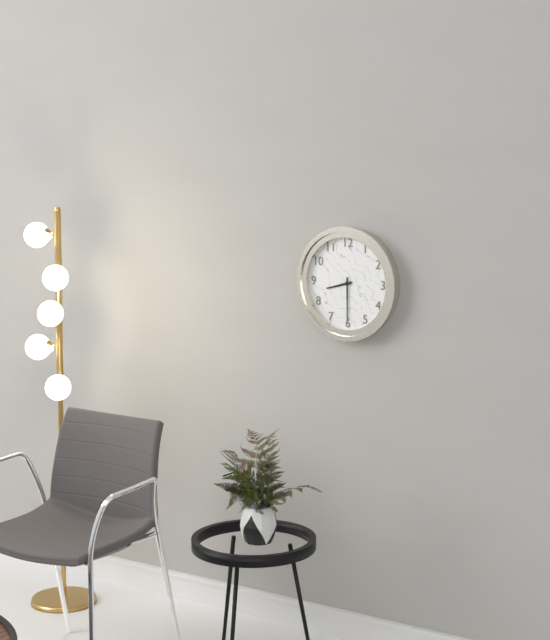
**8:30**
